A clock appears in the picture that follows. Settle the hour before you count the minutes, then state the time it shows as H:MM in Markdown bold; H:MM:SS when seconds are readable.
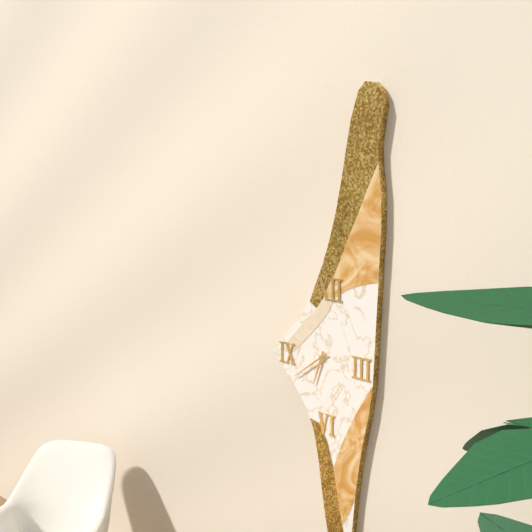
**6:39**
